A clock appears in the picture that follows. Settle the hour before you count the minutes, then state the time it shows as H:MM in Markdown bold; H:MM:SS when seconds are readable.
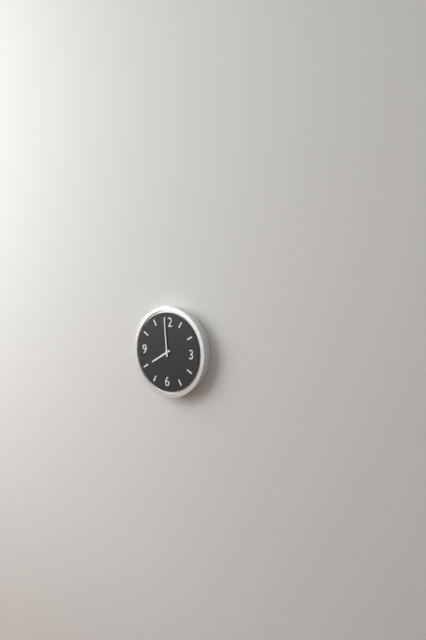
**7:59**
